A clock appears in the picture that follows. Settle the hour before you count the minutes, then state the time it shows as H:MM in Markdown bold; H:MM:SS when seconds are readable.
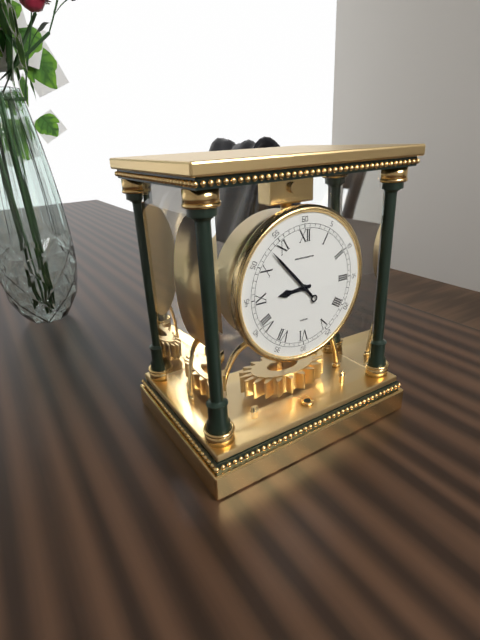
**8:53**
